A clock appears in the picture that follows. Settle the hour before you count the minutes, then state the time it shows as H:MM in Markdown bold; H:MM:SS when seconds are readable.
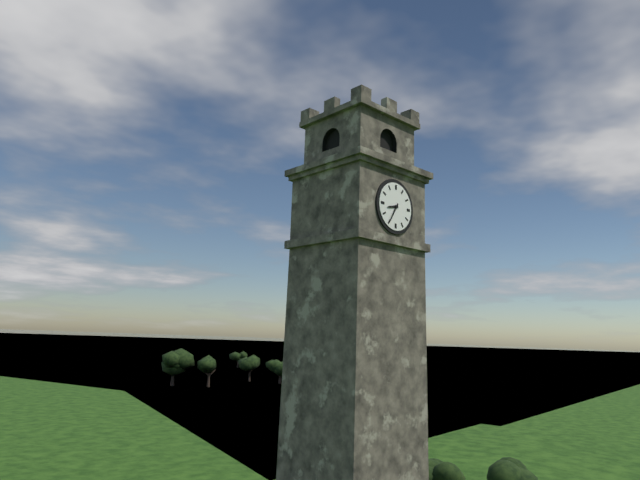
**8:35**
